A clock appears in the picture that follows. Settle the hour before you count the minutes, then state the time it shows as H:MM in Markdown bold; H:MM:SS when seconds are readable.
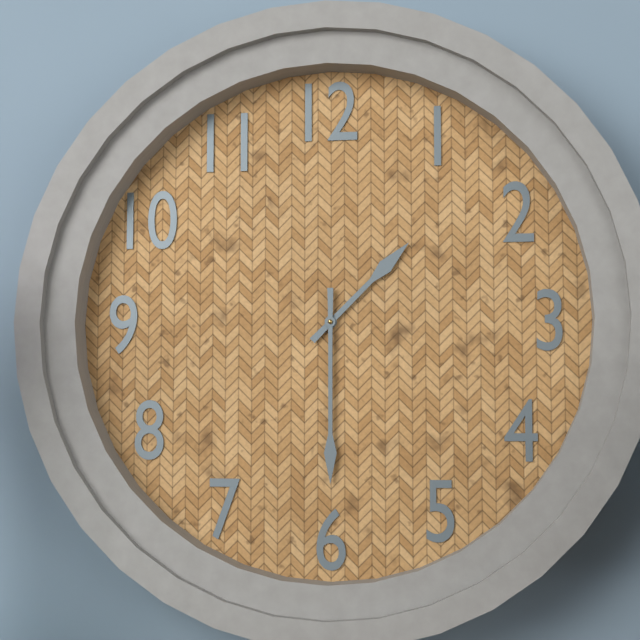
**1:30**
